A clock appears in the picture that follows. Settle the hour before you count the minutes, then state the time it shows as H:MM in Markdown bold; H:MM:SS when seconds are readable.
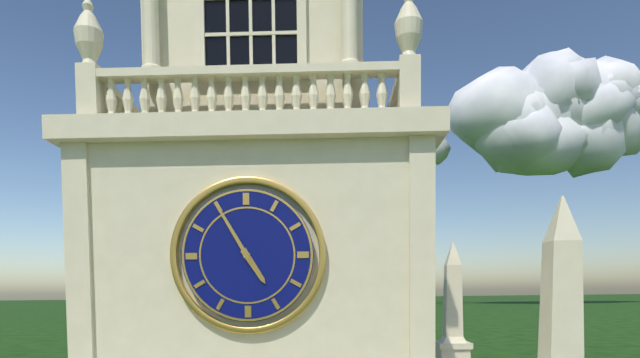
**4:55**
